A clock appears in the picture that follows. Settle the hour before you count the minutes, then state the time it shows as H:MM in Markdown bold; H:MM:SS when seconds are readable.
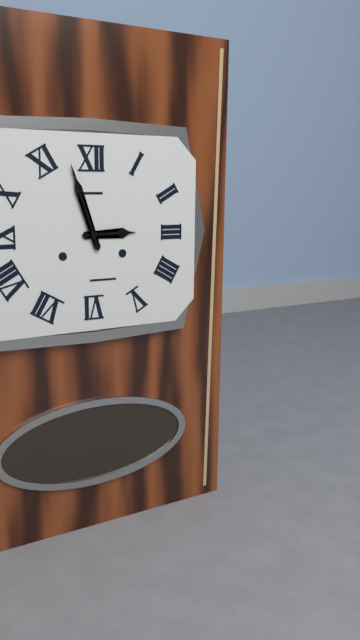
**2:57**
